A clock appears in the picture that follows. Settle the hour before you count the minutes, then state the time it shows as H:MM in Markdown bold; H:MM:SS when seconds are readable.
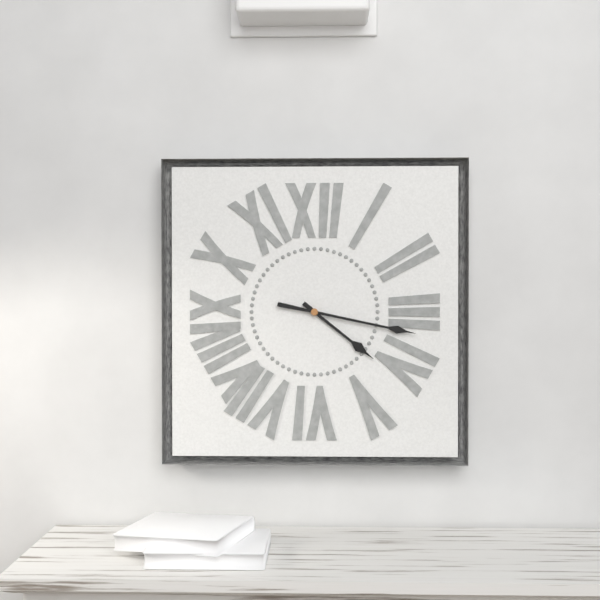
**4:17**
